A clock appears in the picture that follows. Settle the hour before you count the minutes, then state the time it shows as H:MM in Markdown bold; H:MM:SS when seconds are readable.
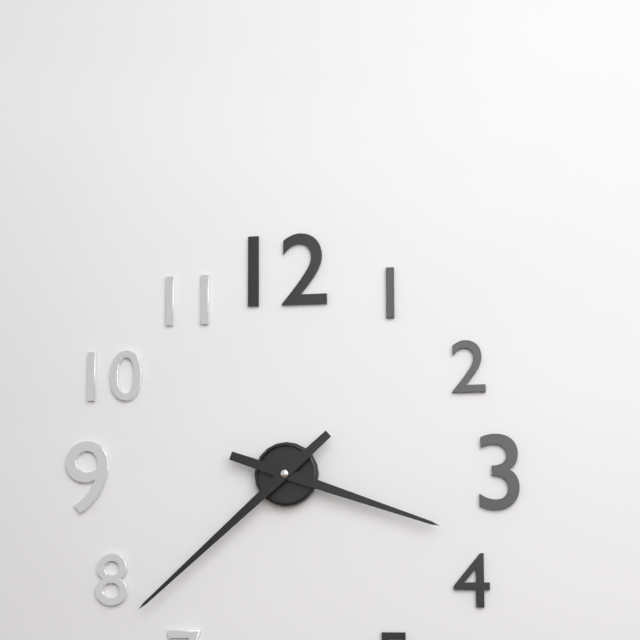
**3:38**
